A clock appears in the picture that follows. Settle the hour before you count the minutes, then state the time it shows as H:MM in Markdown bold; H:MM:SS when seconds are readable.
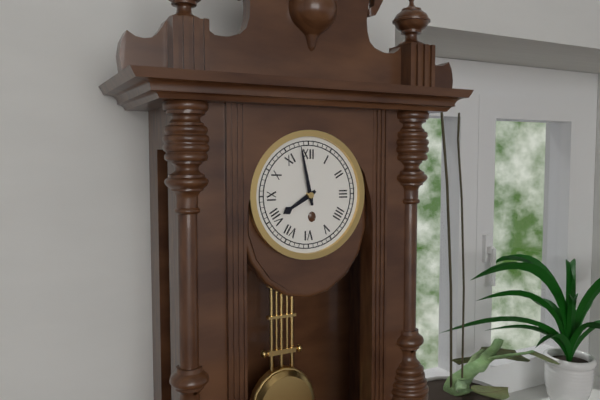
**7:58**
